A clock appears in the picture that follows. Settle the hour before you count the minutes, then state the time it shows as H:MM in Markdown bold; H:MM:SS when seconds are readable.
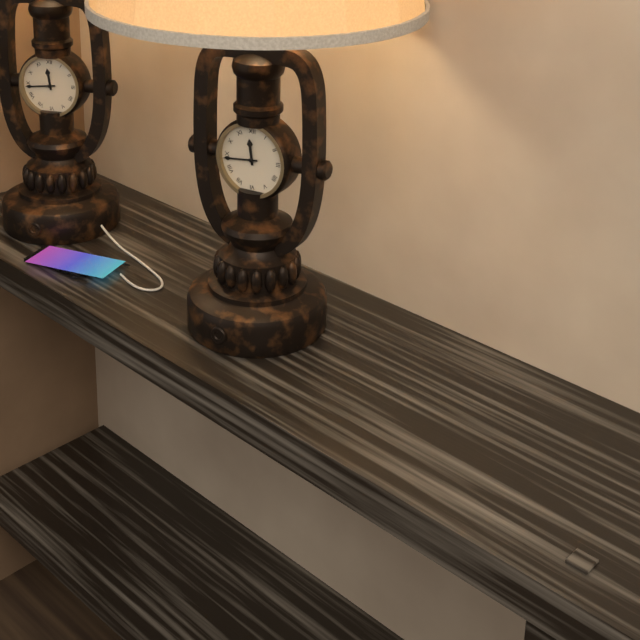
**11:44**
